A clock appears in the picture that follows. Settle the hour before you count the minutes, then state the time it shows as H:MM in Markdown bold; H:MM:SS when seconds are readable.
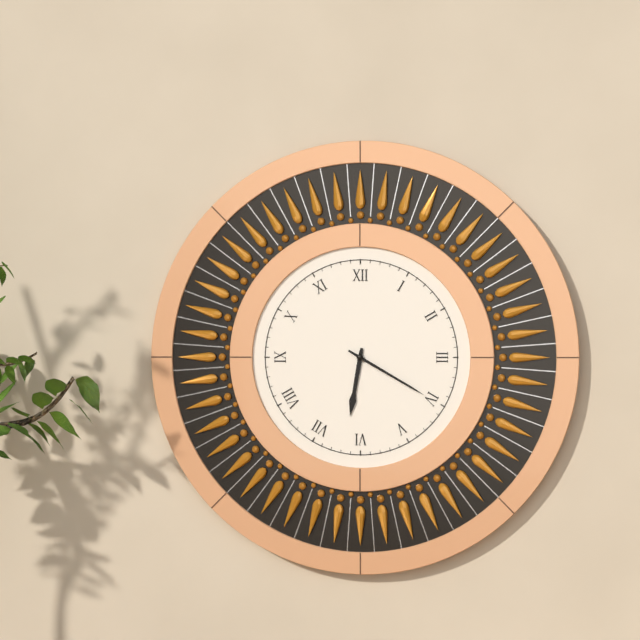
**6:20**
